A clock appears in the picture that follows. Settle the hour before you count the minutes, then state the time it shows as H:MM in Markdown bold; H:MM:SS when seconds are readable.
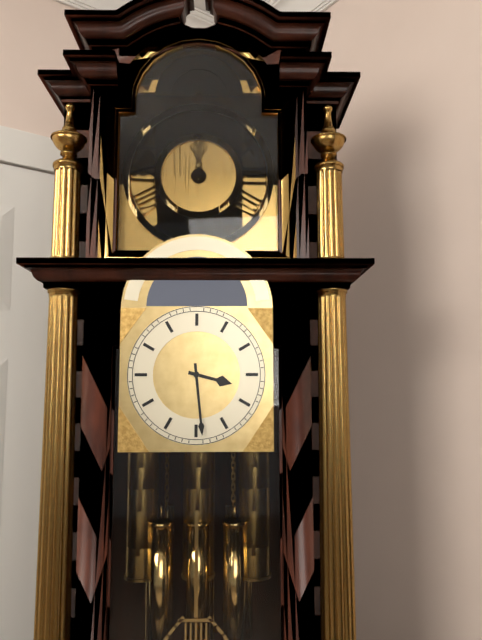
**3:29**
